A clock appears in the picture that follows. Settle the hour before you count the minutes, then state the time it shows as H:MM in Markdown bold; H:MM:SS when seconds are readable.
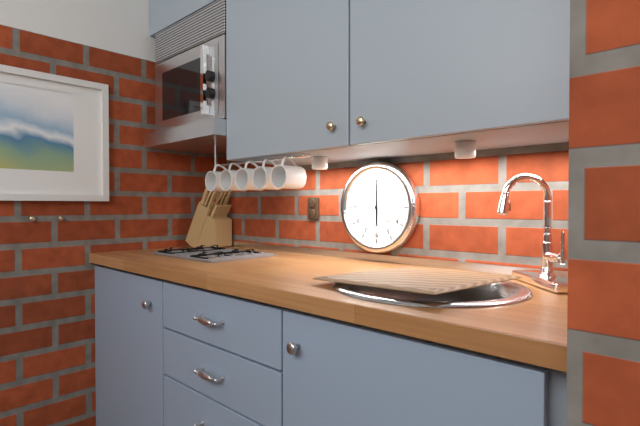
**6:00**
